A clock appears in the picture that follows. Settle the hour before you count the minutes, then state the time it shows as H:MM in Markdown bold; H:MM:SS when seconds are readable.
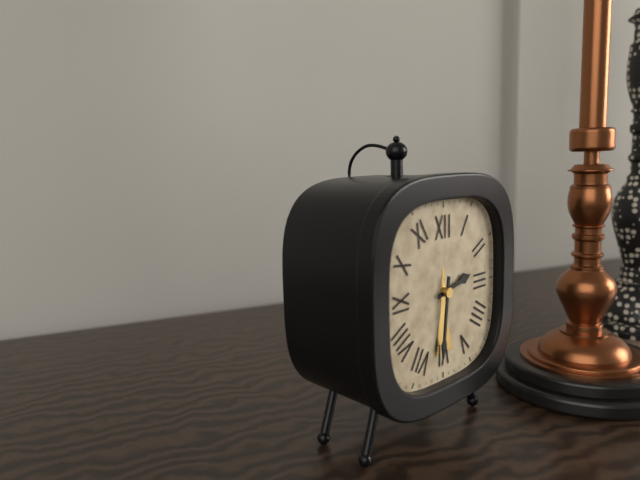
**2:31**
